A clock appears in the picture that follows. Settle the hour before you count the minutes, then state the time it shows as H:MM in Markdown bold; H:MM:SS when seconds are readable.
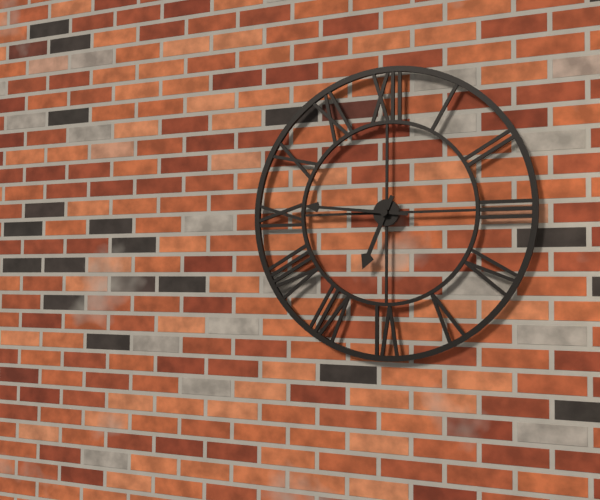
**6:46**
